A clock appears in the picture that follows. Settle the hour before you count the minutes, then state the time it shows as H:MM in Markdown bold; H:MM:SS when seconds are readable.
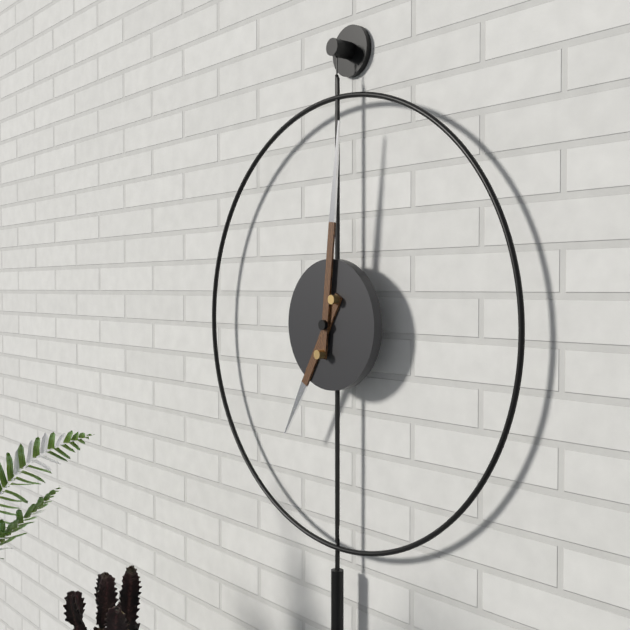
**7:01**
